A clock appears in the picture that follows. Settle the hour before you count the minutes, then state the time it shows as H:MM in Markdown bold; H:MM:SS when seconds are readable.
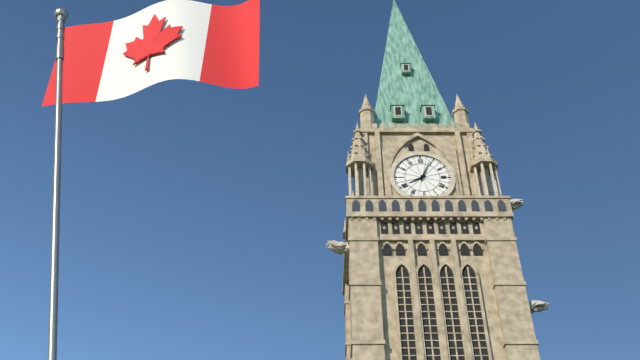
**8:04**
